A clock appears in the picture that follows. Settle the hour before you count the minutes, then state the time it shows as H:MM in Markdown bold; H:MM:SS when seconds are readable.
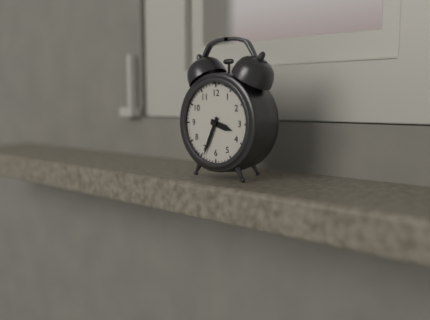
**3:34**
